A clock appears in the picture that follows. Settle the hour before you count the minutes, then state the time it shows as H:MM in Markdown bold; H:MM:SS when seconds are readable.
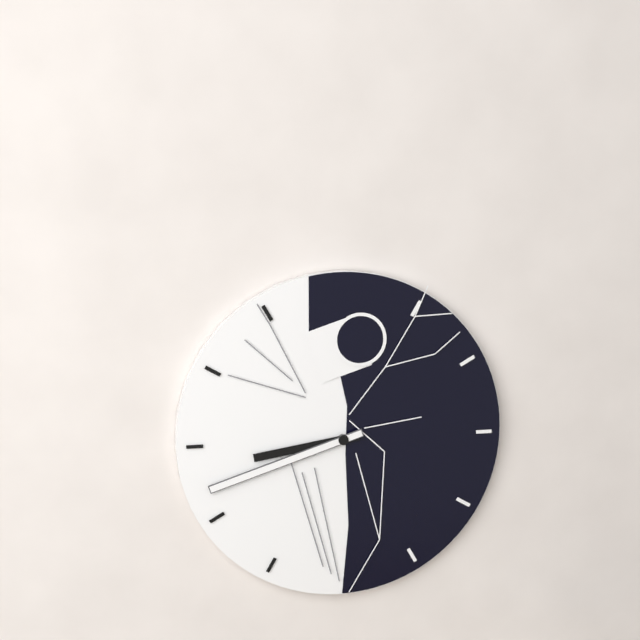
**8:42**
